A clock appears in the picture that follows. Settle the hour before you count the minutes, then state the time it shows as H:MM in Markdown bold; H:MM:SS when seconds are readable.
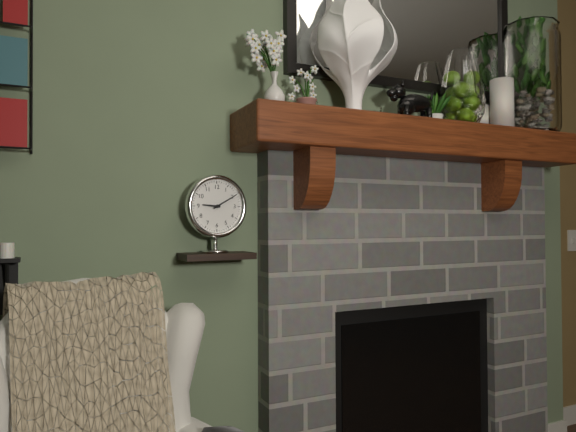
**9:10**
